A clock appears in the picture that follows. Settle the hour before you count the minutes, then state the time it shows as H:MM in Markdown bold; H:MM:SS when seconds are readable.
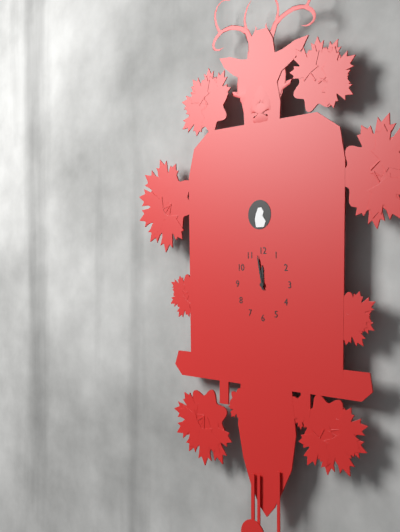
**11:58**
